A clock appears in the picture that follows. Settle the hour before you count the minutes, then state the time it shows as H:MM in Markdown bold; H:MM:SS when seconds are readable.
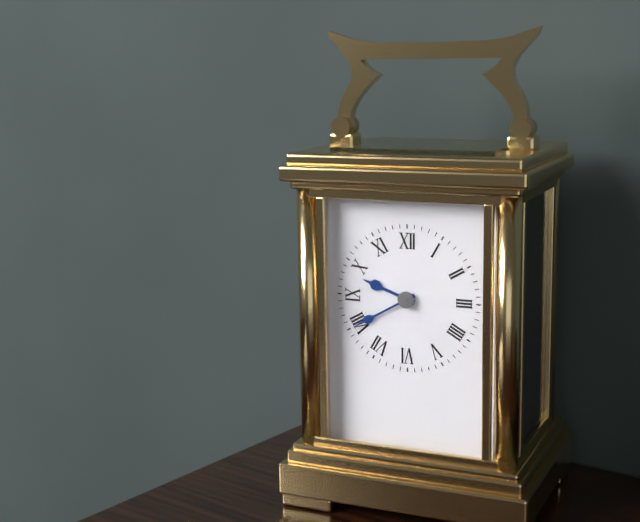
**9:40**
